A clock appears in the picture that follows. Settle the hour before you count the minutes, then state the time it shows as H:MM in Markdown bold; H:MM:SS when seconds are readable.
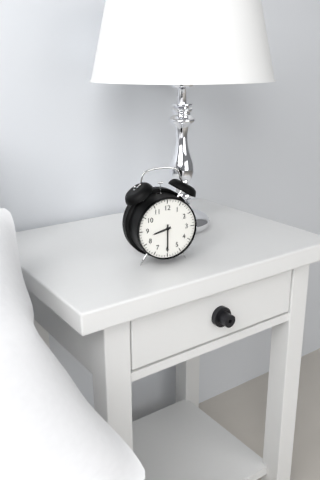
**8:30**
